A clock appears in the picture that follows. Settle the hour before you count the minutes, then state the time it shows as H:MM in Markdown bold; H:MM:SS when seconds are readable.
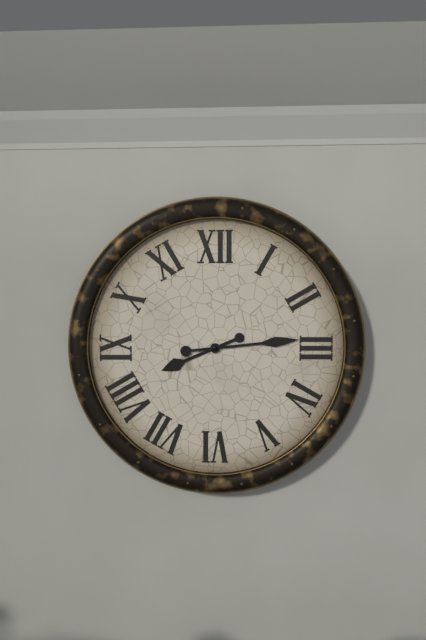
**8:14**
